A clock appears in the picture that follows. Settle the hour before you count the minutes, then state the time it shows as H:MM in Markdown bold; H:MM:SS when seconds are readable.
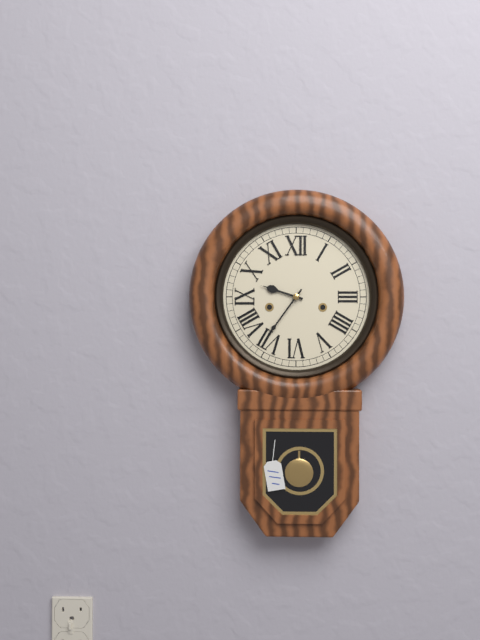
**9:36**
